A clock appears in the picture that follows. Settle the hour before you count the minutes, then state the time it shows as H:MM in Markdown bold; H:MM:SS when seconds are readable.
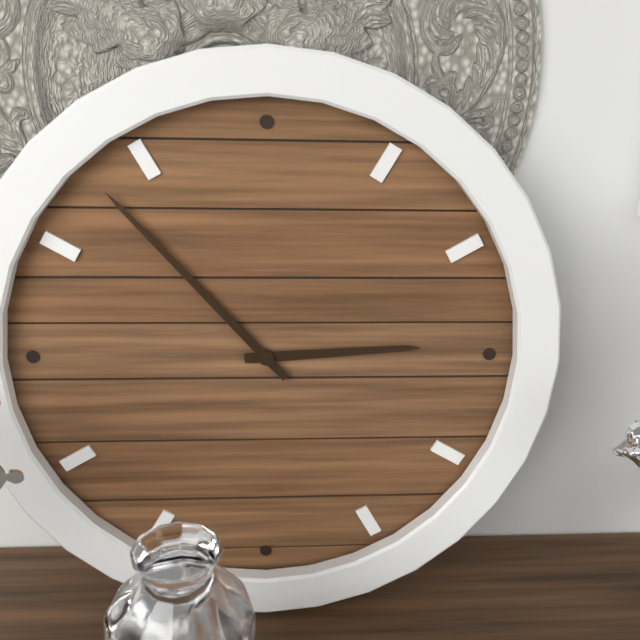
**2:53**
